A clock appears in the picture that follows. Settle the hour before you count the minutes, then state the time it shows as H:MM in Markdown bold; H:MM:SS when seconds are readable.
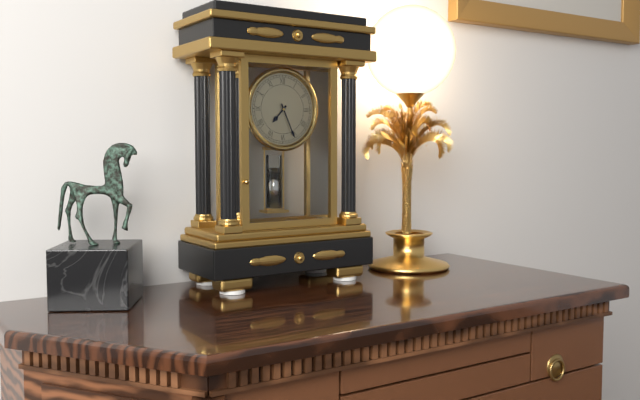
**7:26**
